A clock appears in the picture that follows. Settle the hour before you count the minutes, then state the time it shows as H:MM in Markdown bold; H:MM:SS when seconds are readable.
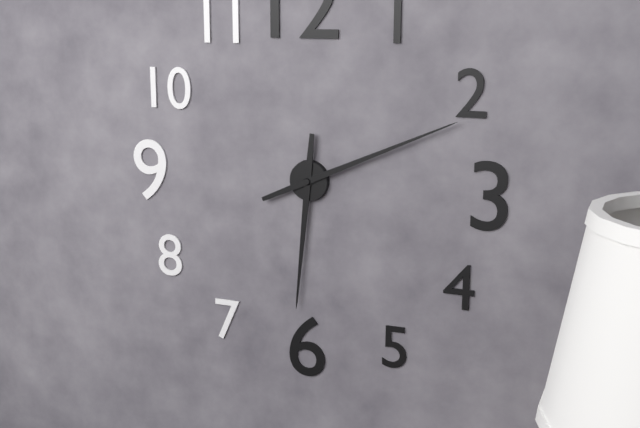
**6:11**
